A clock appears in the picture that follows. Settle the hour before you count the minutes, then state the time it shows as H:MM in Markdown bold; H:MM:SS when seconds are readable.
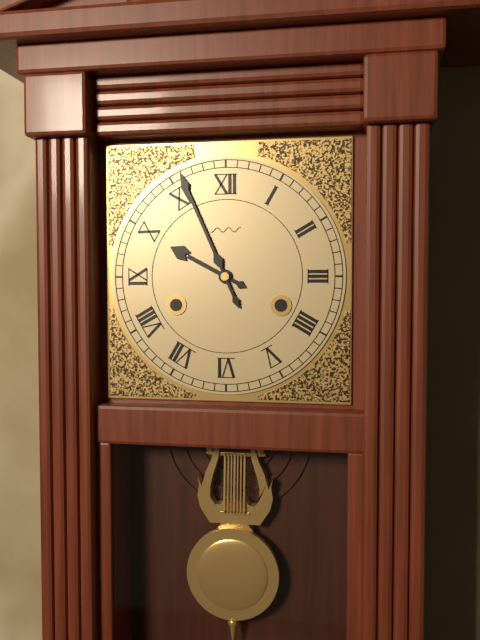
**9:56**
